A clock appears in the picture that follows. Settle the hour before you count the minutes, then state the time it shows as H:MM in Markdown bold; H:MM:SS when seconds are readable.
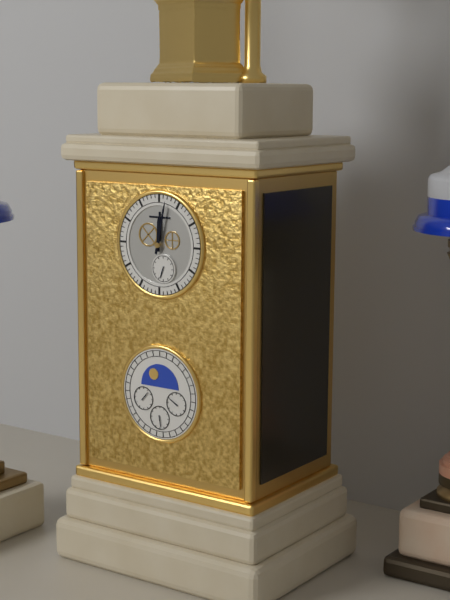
**12:02**
